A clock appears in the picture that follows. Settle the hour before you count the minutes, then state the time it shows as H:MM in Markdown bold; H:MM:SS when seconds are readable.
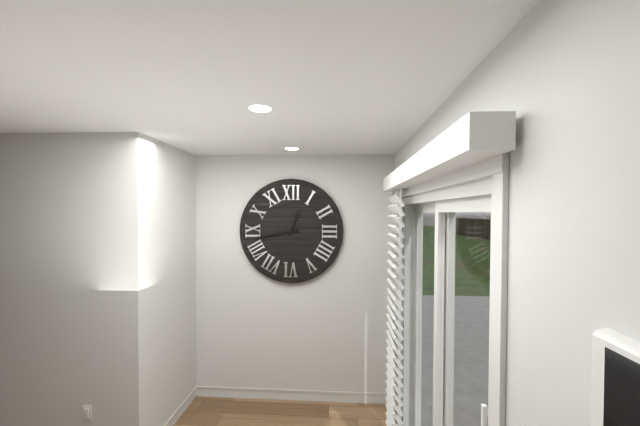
**12:43**
